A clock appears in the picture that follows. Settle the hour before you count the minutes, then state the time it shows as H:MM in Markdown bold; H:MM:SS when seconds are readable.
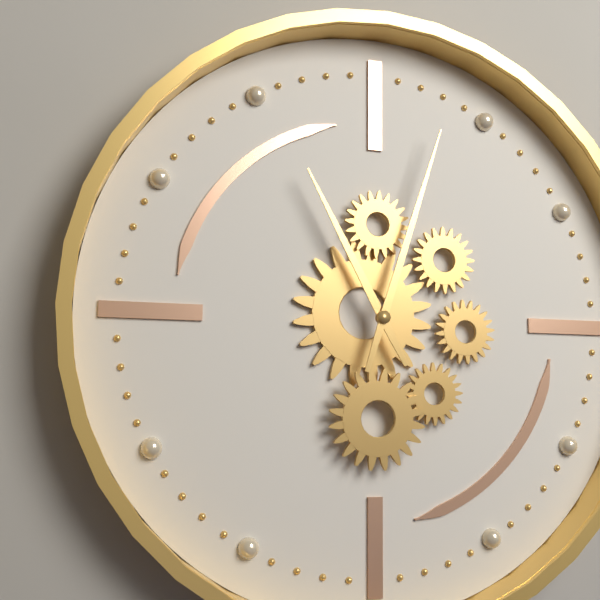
**11:03**
